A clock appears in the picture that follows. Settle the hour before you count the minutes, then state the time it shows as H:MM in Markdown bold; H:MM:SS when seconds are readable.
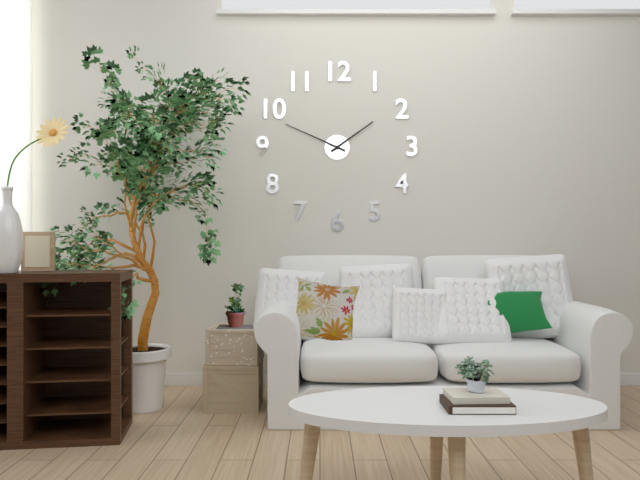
**1:49**
